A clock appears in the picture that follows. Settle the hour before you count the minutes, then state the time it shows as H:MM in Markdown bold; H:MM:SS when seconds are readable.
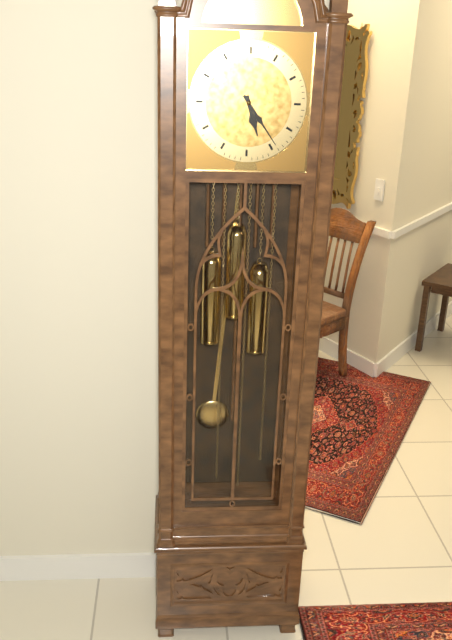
**5:24**
